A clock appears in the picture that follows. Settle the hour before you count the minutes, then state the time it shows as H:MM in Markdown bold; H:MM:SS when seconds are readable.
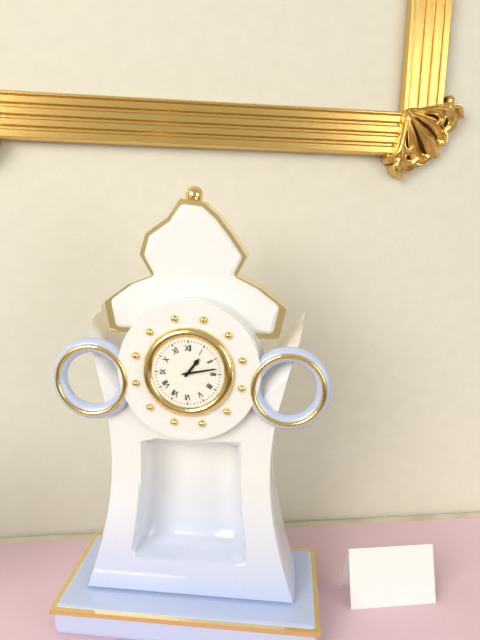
**1:13**
